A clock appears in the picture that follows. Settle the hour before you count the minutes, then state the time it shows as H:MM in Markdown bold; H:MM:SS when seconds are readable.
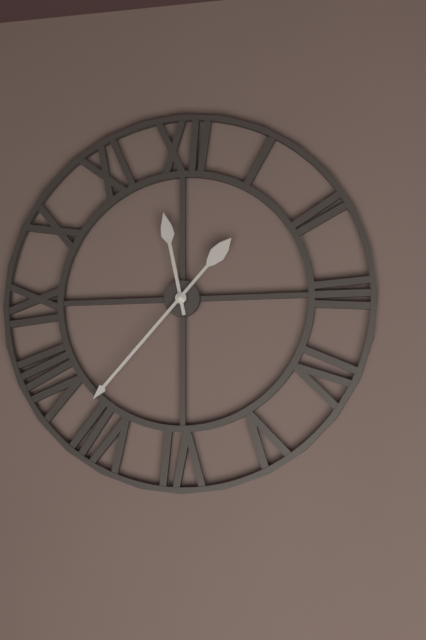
**11:37**
